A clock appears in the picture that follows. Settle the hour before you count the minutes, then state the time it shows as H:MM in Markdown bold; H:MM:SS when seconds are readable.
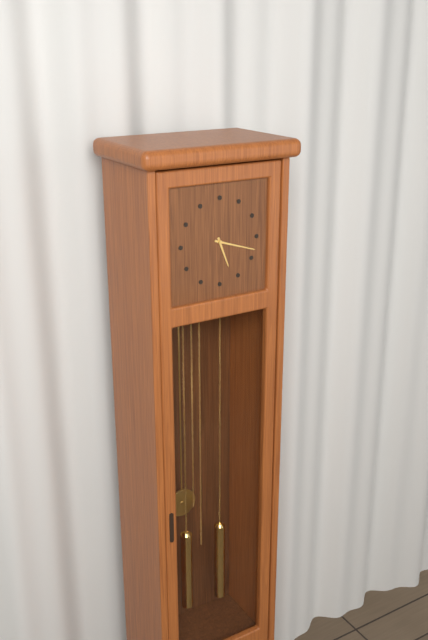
**5:18**
